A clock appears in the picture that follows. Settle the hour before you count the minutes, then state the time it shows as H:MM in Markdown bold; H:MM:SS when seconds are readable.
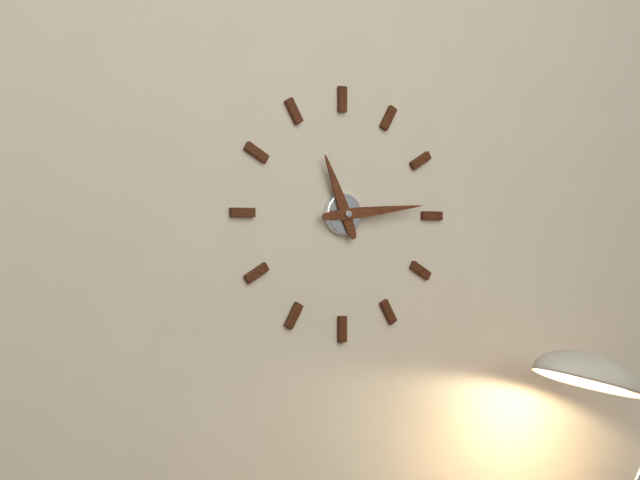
**11:14**
